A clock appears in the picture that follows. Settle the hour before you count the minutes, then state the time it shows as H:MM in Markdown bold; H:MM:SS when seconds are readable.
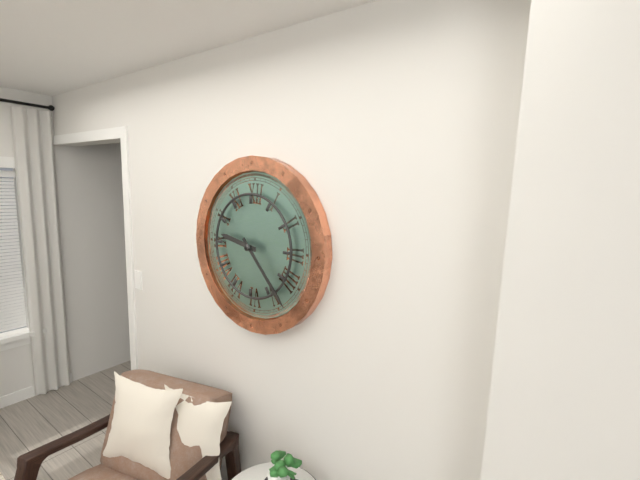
**9:23**
